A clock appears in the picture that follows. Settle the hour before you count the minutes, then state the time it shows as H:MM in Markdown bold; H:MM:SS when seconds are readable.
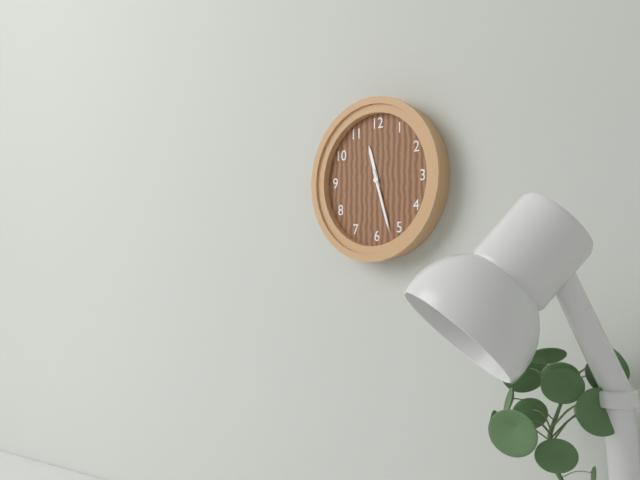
**11:27**
